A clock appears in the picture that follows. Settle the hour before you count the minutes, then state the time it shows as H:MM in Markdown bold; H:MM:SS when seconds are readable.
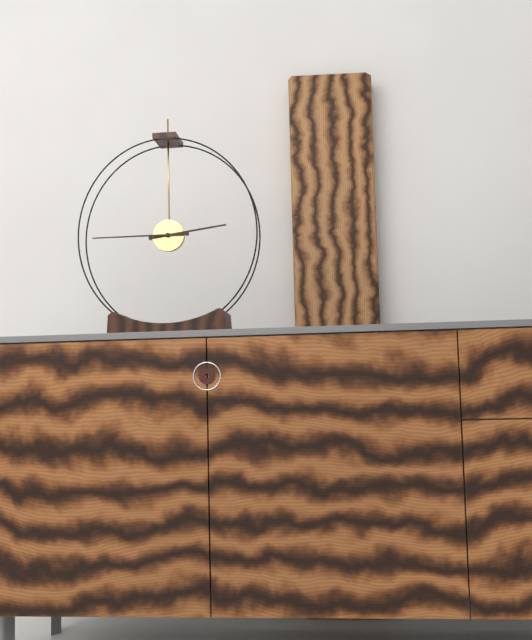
**2:45**
